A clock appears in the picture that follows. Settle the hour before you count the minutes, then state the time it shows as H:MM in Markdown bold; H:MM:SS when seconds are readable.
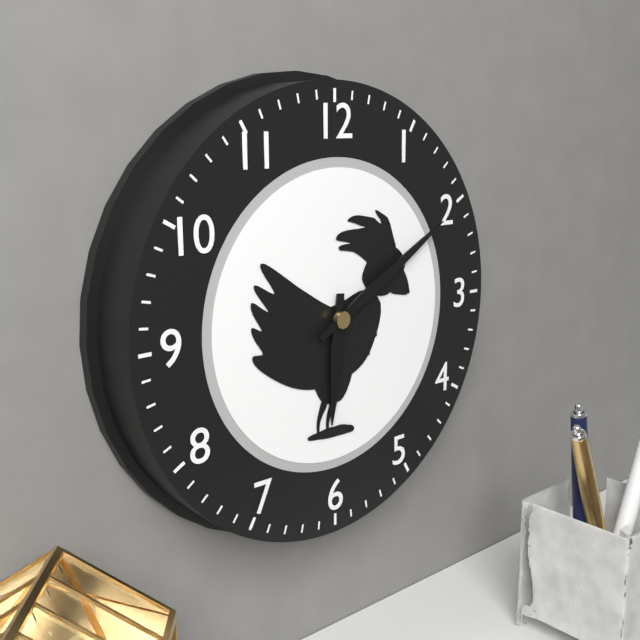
**6:10**
